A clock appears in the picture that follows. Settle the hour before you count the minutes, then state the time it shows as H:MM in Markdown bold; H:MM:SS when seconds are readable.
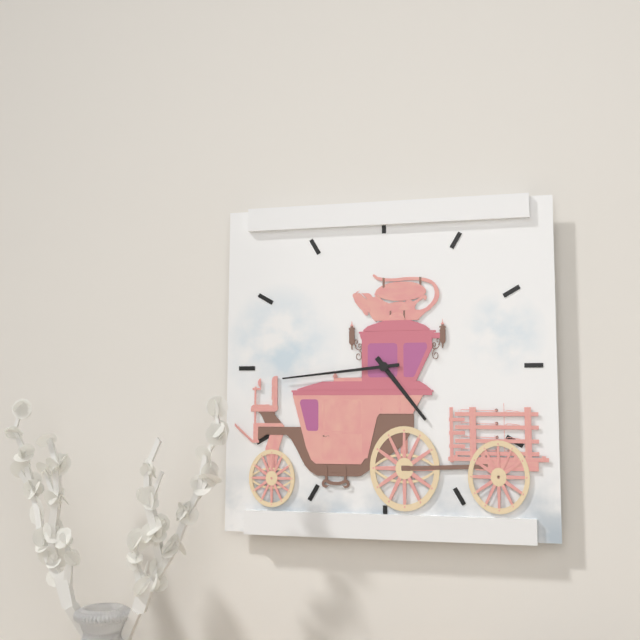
**4:44**
